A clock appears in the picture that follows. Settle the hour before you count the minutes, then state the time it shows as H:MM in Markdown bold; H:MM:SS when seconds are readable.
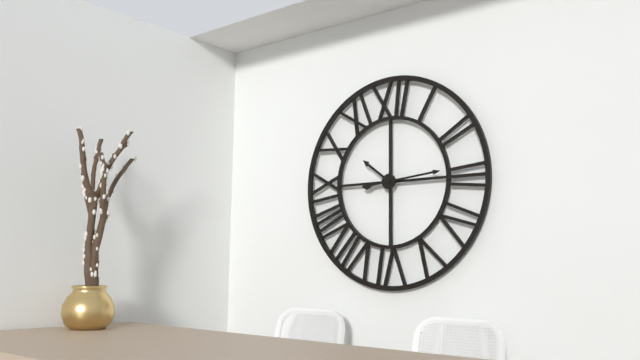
**10:14**
